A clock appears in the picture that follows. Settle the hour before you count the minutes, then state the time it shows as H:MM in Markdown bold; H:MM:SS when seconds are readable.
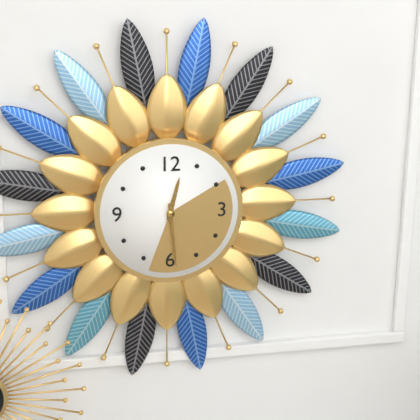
**12:29**
